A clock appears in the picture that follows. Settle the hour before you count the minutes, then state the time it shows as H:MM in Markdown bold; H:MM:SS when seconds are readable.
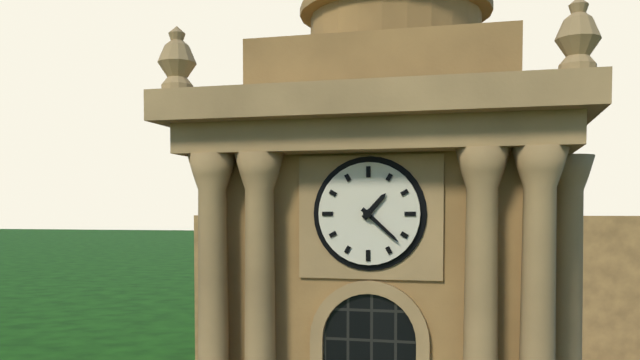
**1:22**
